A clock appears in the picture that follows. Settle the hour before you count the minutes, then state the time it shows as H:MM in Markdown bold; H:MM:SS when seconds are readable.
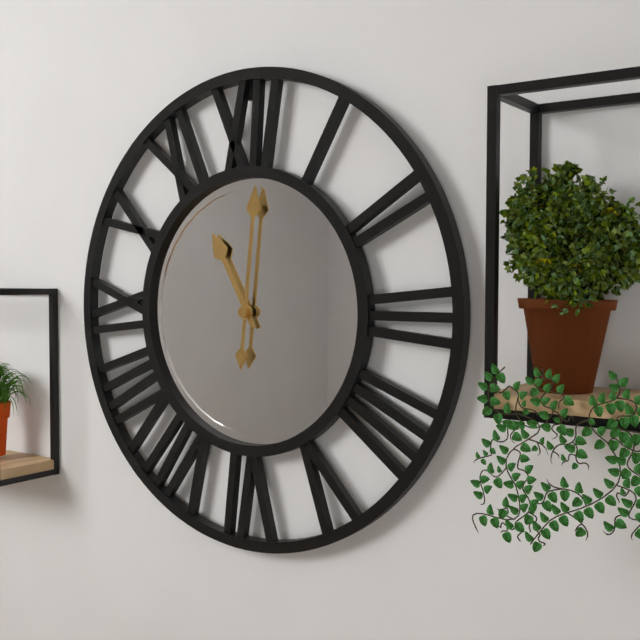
**11:01**
